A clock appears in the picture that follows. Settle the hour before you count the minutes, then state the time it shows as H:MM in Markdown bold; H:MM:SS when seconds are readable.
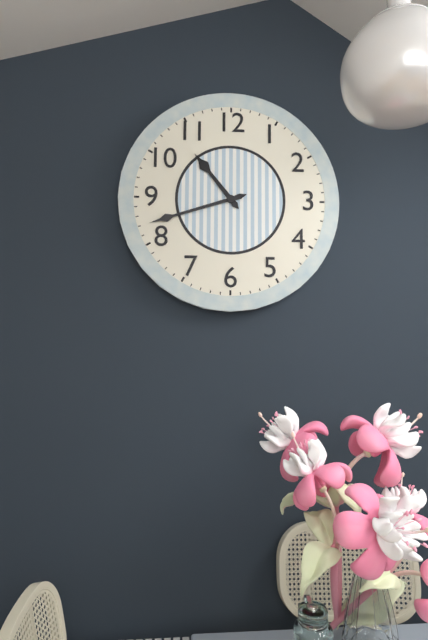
**10:42**
